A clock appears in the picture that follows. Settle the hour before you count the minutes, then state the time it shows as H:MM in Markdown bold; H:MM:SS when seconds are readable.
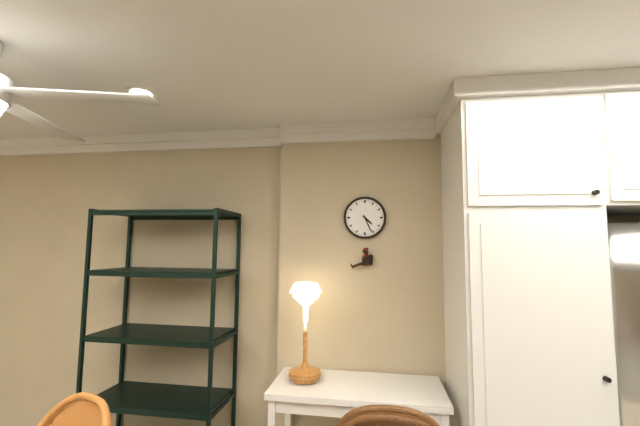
**4:26**
